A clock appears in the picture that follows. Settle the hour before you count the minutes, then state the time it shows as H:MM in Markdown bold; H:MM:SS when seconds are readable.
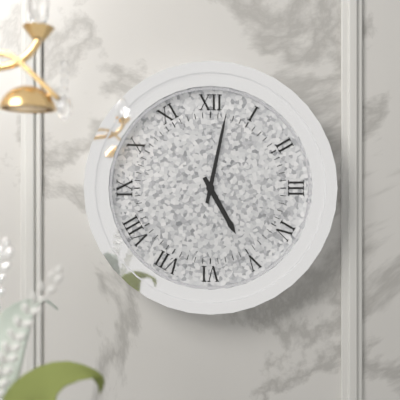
**5:02**
